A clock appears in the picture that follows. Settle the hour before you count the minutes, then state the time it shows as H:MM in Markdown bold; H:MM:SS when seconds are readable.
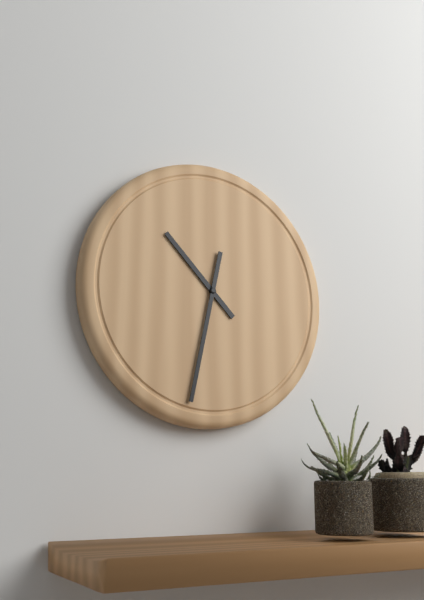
**10:32**
